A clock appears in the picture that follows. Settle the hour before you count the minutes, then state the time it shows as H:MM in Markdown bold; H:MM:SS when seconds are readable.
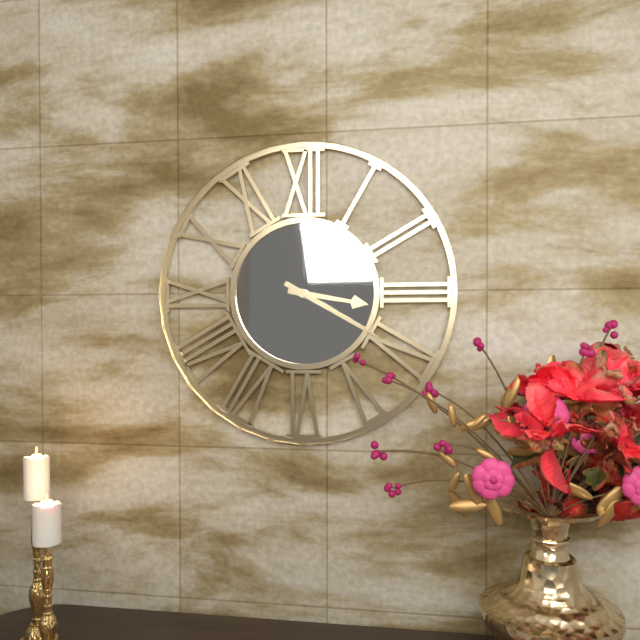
**3:20**
